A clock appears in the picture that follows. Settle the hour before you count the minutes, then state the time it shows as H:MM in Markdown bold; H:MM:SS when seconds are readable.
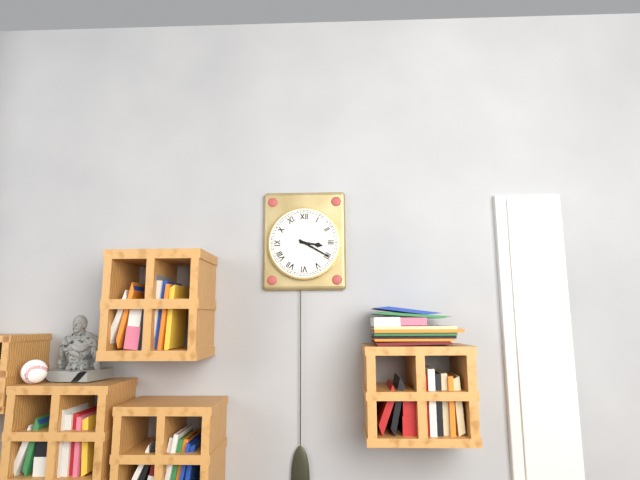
**3:20**
